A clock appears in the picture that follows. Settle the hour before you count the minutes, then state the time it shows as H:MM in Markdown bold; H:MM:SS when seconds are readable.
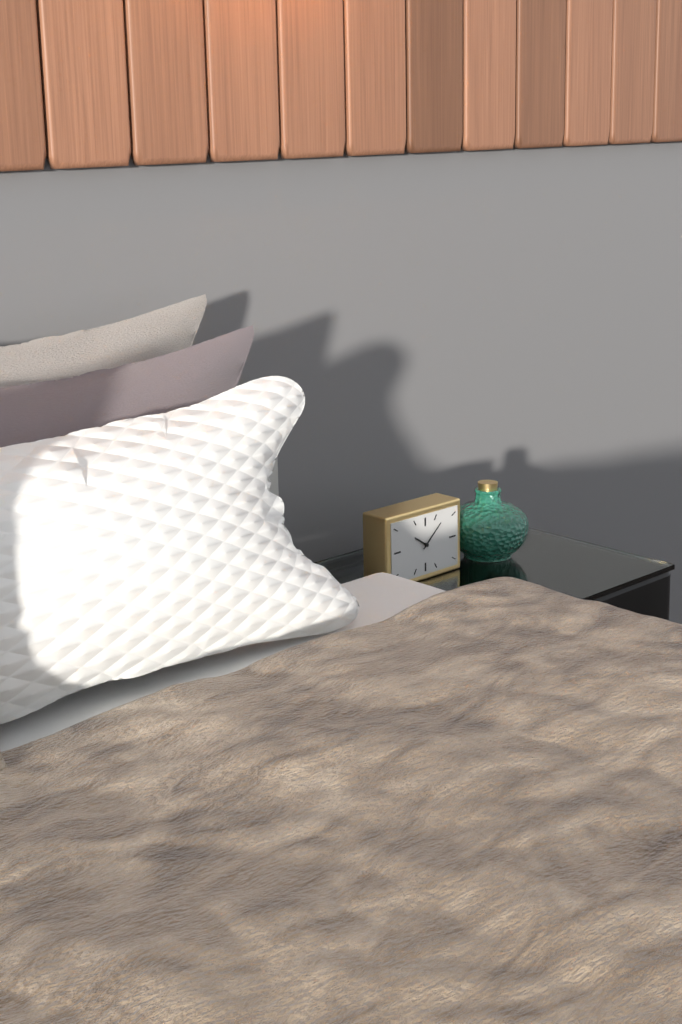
**10:08**
